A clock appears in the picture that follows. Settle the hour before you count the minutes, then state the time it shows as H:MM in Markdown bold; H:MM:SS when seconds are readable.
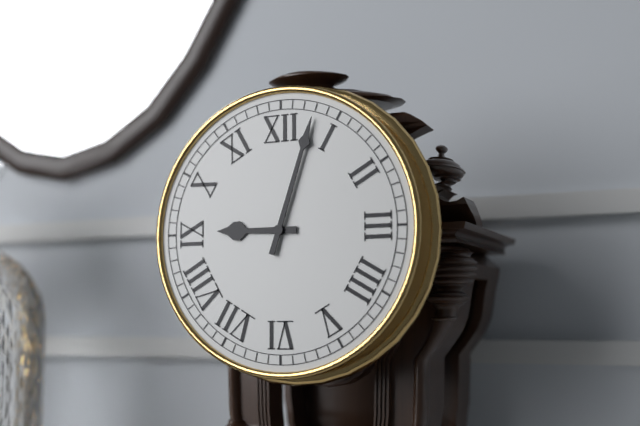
**9:03**
